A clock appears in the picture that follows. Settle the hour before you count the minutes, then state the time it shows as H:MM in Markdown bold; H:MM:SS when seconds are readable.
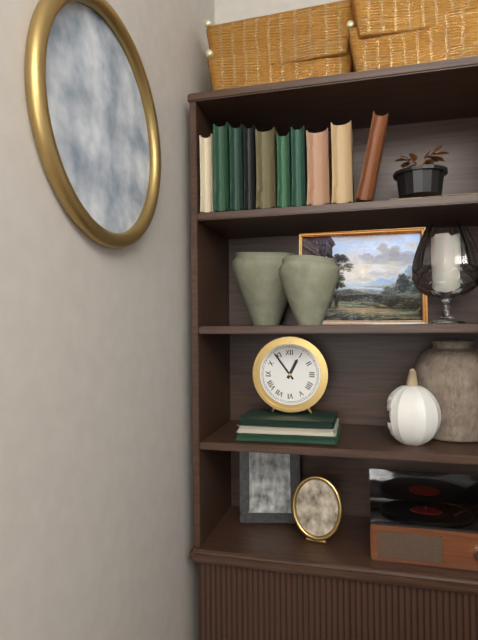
**12:54**
